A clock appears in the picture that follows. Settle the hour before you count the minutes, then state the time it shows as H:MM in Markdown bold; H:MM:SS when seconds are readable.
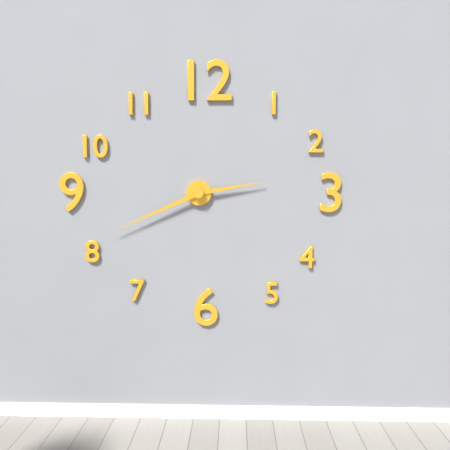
**2:41**
